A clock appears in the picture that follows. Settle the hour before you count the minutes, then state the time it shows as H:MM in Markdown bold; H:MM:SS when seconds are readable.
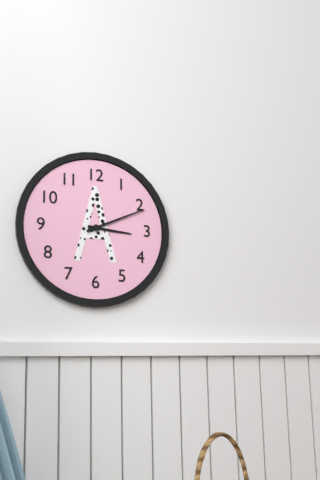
**3:11**
